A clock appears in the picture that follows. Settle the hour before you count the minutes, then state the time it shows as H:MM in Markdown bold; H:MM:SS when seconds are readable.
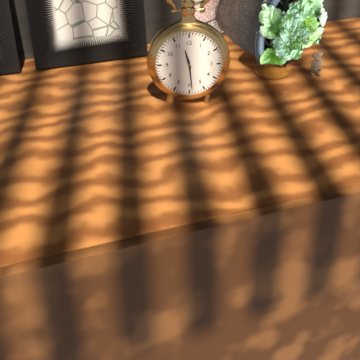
**11:29**
